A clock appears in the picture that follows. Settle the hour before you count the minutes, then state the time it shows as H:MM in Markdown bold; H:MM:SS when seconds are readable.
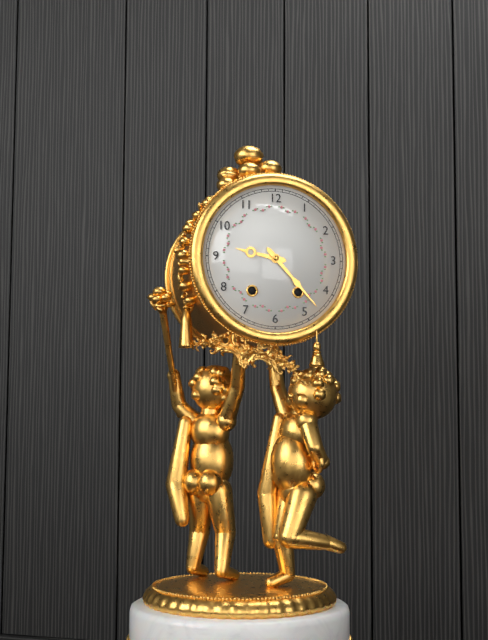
**9:23**
